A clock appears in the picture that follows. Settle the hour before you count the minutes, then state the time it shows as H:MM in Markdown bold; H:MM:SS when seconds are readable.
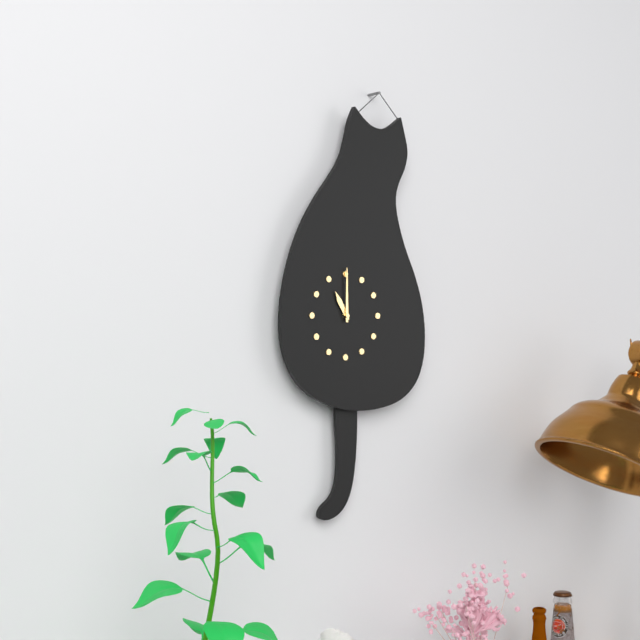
**11:00**
